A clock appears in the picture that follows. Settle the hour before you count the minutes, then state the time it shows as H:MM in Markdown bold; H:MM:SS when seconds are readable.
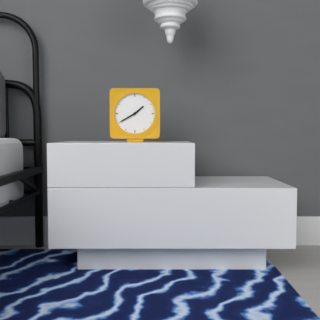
**1:40**
